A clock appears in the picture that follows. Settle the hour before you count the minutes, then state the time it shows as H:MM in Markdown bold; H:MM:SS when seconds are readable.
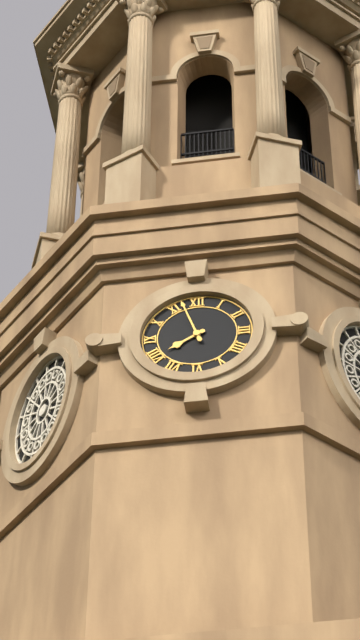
**7:57**
